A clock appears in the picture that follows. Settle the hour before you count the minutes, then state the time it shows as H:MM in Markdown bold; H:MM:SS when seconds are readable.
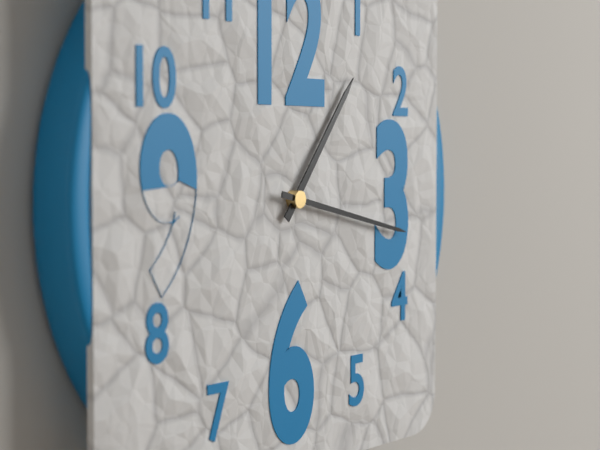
**1:17**
